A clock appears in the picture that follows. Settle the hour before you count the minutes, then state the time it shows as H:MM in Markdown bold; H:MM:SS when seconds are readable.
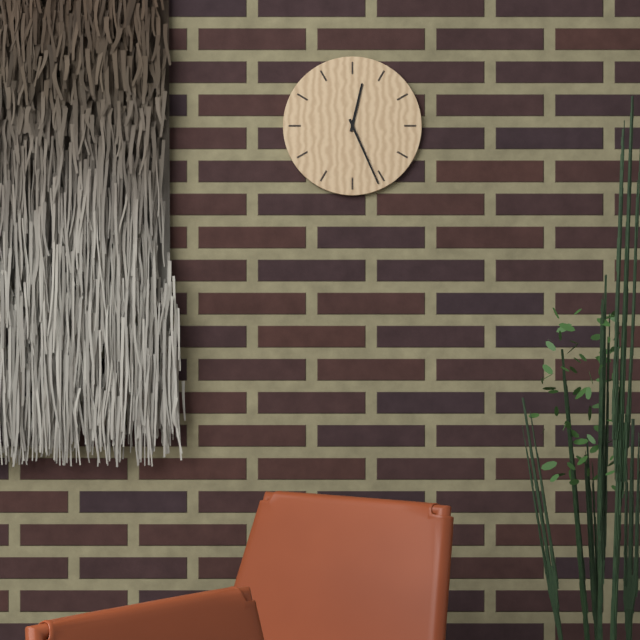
**12:26**
